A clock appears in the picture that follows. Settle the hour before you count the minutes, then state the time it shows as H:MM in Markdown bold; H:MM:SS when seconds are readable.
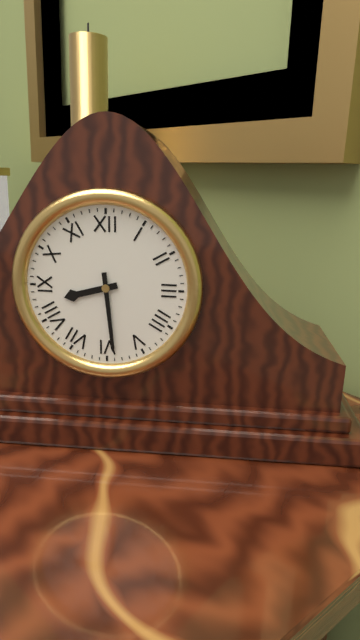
**8:29**
